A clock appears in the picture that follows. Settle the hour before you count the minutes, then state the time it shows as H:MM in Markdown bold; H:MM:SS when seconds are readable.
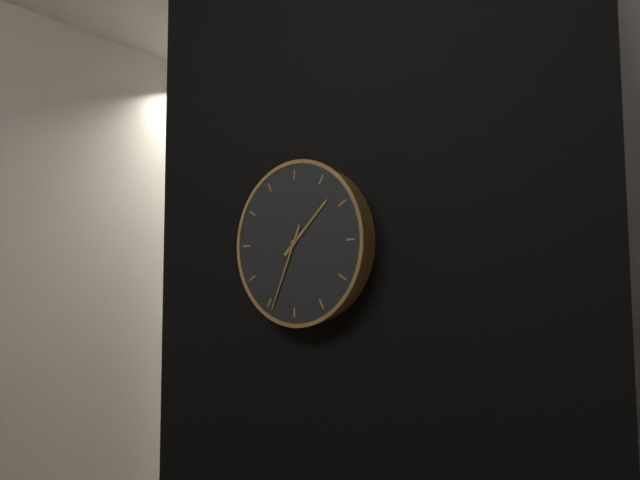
**1:34**
